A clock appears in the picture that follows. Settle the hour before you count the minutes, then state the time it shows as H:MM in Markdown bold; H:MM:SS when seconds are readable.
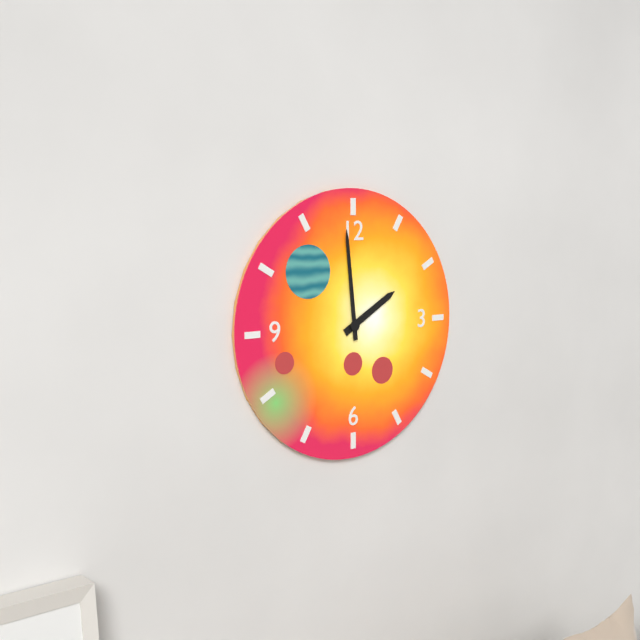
**1:59**
